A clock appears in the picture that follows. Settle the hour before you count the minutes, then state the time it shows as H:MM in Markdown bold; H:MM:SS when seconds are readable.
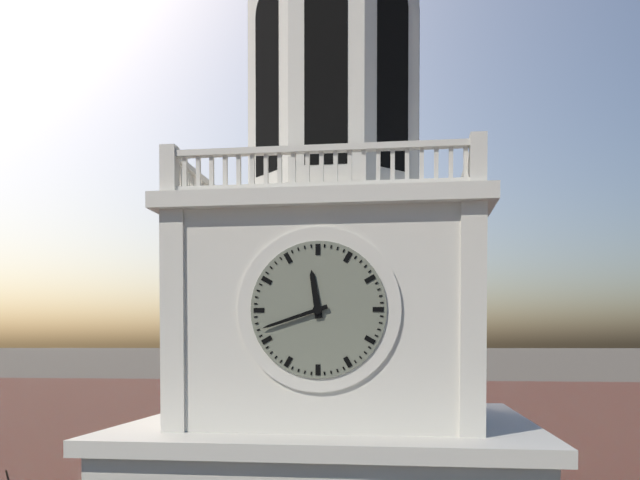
**11:42**
